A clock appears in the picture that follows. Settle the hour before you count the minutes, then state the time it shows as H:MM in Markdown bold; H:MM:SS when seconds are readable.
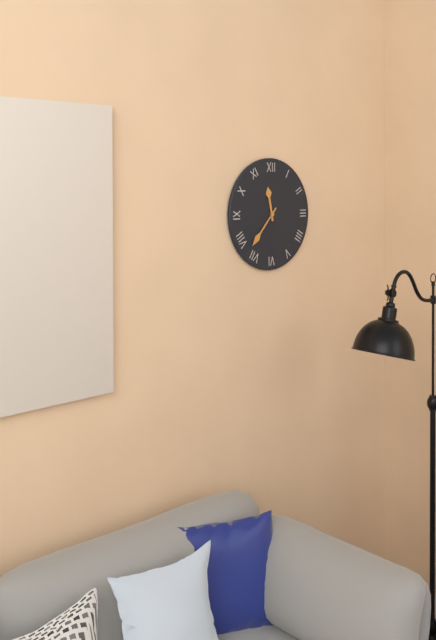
**11:37**
